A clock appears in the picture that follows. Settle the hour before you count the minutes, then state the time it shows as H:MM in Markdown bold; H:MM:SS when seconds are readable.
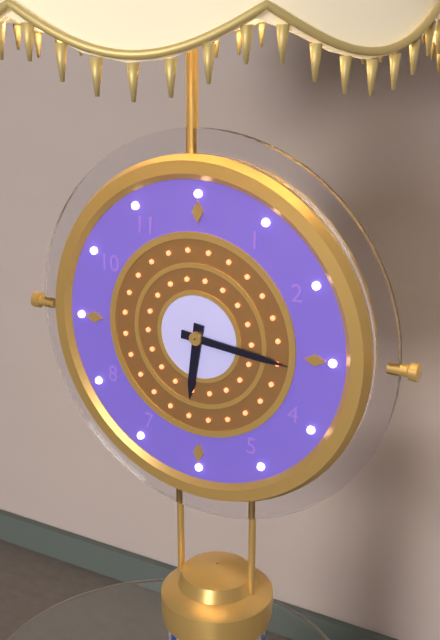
**6:16**
